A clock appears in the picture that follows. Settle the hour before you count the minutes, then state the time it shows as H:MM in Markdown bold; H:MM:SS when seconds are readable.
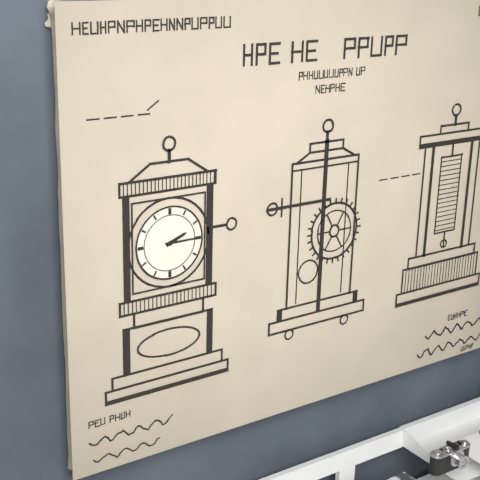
**2:15**
